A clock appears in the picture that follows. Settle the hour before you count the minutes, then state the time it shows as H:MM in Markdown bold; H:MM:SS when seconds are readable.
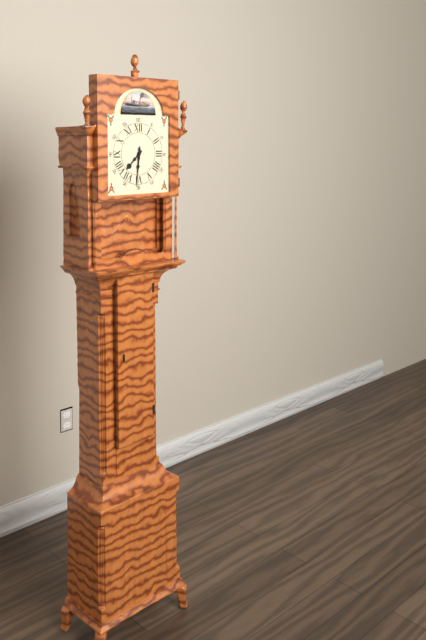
**7:31**
